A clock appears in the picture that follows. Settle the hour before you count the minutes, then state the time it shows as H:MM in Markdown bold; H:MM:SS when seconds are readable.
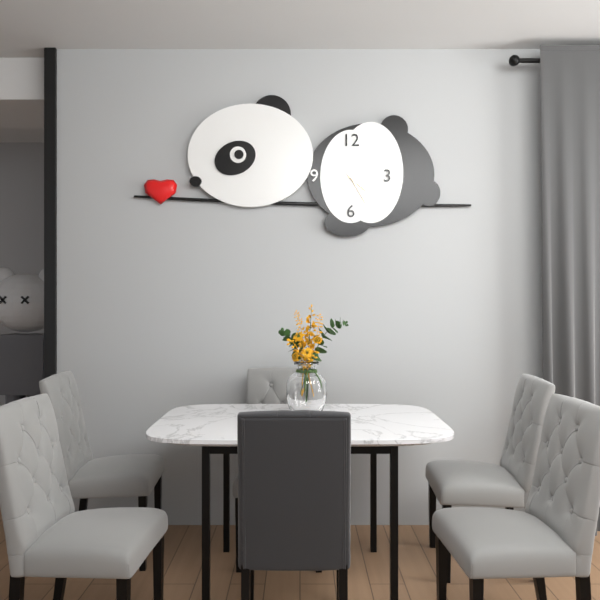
**4:25**
